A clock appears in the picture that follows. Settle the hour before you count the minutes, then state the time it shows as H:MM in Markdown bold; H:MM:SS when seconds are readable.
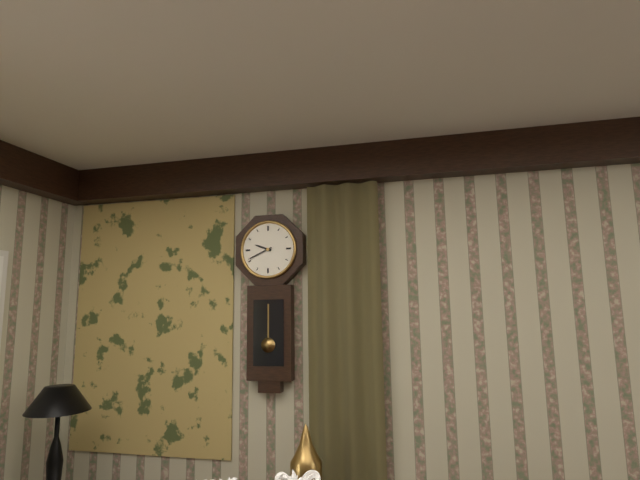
**9:41**
